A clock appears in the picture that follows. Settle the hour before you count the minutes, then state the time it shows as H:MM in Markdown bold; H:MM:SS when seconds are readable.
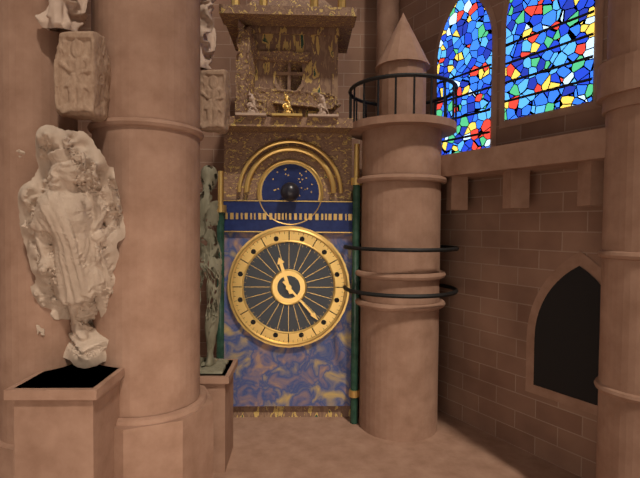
**11:23**
